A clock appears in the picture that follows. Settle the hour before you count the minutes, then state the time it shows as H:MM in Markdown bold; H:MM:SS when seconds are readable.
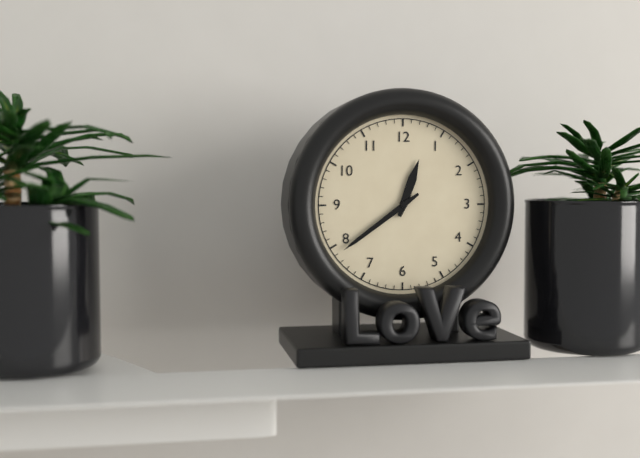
**12:39**
